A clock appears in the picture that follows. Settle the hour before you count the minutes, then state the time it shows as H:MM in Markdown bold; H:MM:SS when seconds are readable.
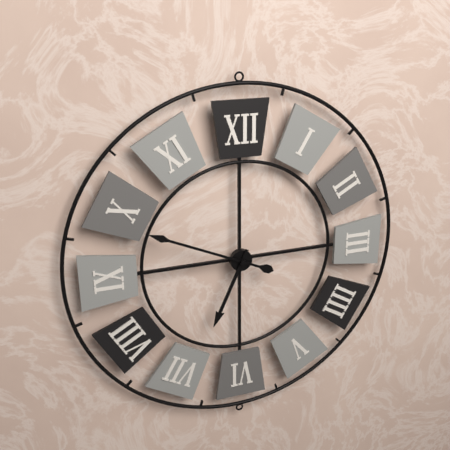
**6:49**
